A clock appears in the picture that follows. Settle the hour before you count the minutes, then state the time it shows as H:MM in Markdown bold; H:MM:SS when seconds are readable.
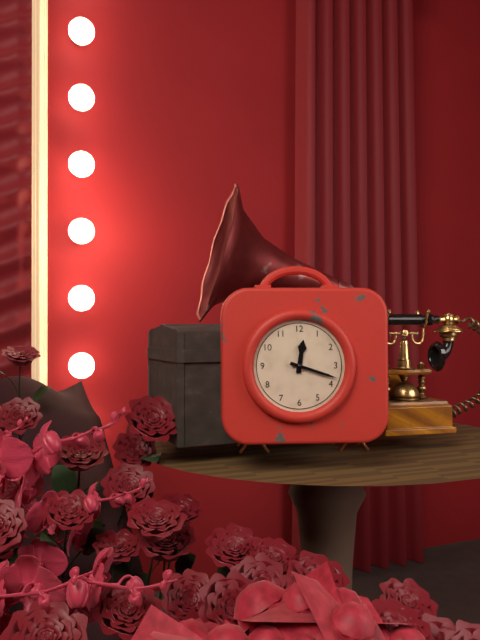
**12:18**
